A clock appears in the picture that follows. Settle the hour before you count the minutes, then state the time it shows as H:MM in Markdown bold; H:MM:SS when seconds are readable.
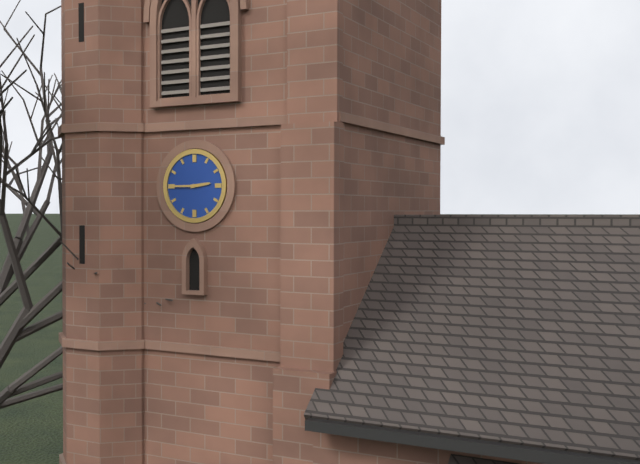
**2:45**
